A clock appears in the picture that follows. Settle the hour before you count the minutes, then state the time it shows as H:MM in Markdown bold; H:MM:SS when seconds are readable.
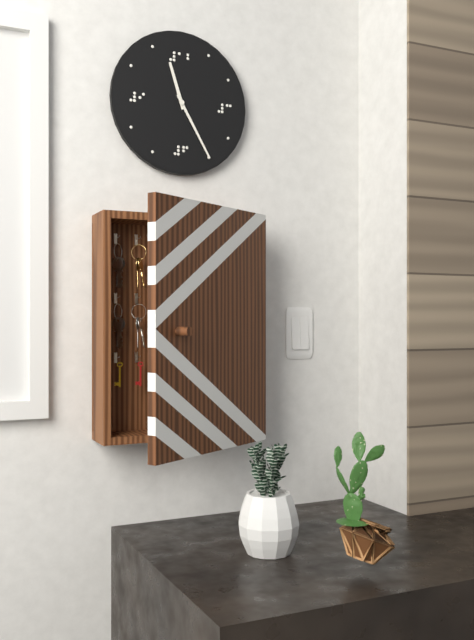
**11:25**
